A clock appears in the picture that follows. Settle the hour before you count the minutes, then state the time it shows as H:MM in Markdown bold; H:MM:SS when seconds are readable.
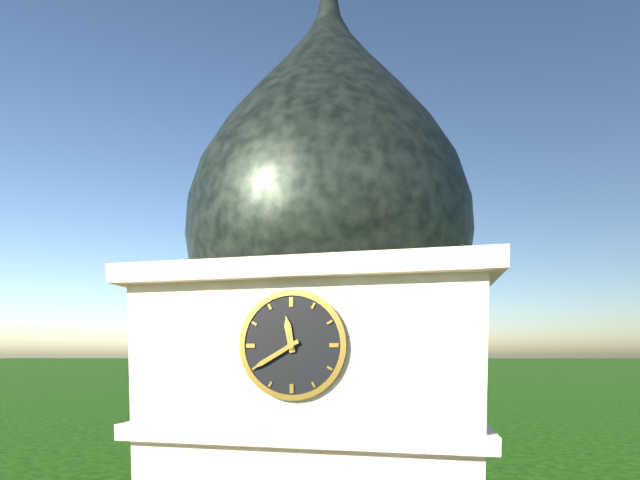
**11:40**
